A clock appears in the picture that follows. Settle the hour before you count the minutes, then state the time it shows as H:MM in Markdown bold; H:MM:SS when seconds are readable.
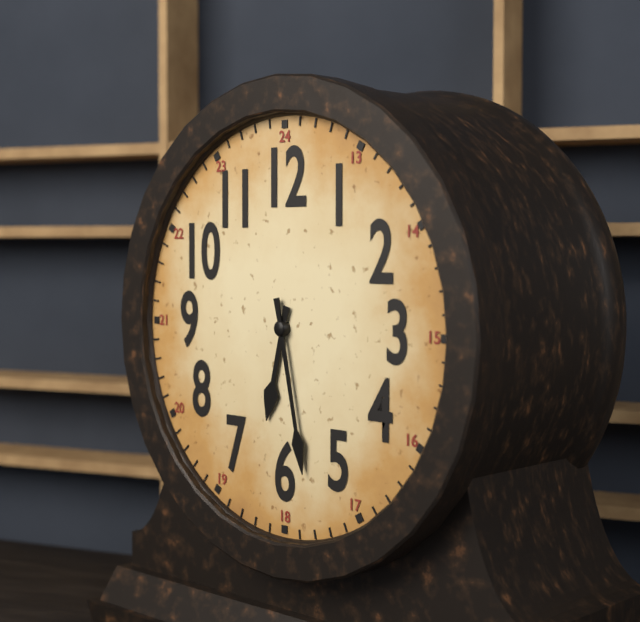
**6:28**
